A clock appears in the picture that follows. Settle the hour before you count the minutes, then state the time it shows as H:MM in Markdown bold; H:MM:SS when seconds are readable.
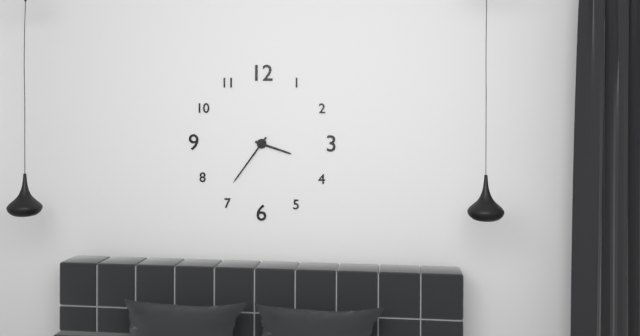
**3:36**
